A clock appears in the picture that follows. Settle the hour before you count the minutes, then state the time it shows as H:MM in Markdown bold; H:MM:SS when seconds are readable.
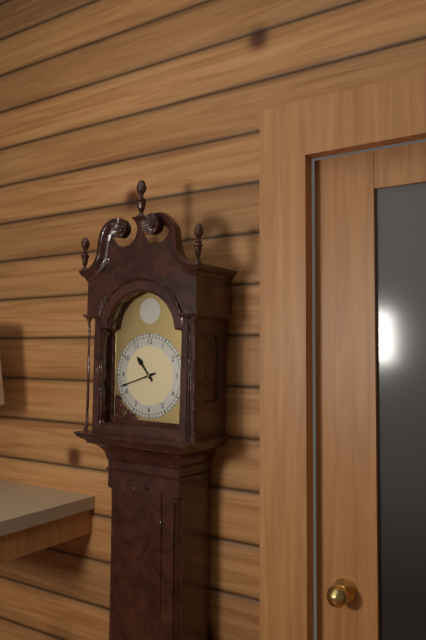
**10:42**
